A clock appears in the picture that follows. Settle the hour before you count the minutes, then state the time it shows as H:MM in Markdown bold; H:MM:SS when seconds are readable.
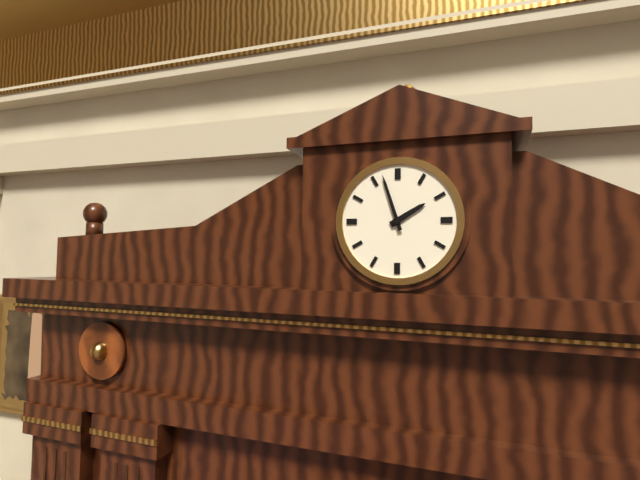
**1:57**
